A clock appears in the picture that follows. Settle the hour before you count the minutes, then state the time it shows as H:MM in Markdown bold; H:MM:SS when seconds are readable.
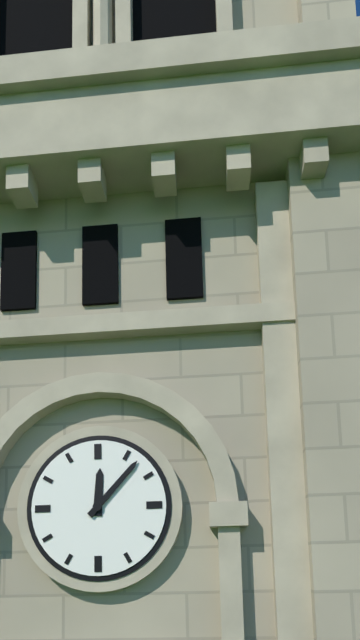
**12:07**
